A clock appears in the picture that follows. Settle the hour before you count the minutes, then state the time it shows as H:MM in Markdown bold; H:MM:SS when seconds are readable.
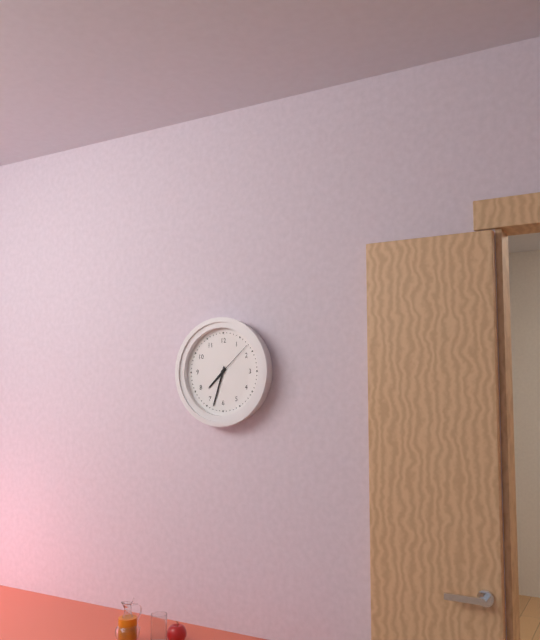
**7:33**
